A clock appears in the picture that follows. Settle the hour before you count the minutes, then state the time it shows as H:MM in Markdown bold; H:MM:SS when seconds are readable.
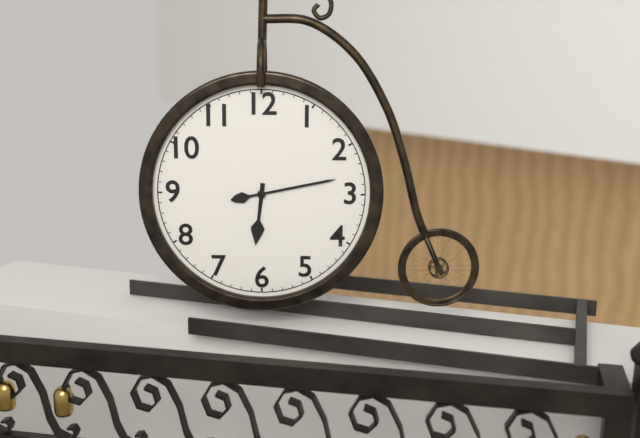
**6:13**
